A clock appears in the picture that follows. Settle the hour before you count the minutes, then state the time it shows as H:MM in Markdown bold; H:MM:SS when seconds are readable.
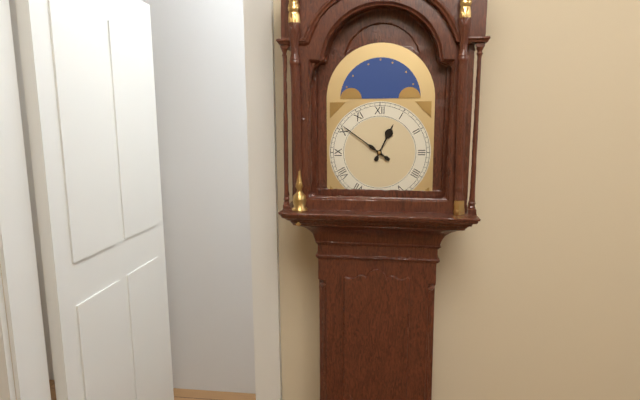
**12:51**
